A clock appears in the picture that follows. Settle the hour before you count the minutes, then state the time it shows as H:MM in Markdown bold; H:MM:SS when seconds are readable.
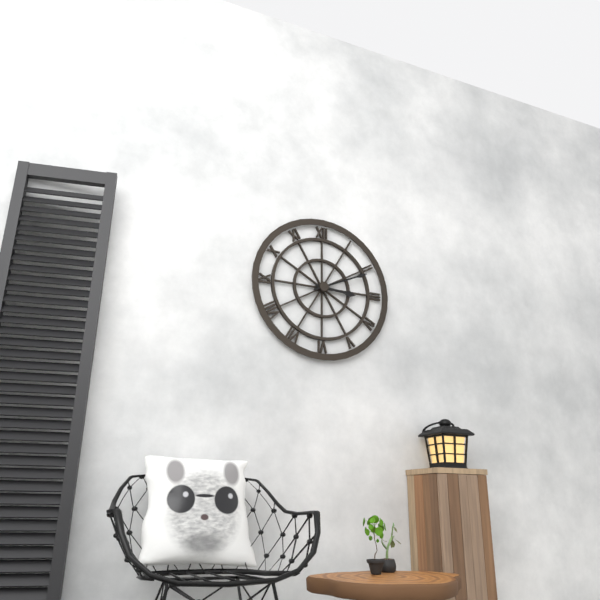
**3:11**
